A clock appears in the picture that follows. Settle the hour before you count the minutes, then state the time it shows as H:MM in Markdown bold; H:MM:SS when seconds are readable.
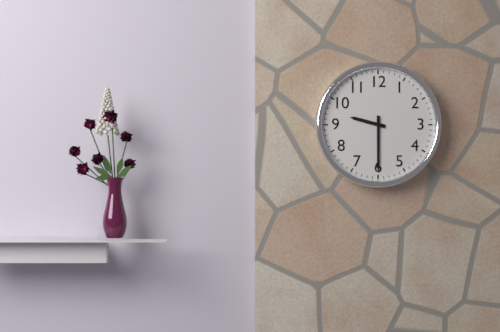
**9:30**
